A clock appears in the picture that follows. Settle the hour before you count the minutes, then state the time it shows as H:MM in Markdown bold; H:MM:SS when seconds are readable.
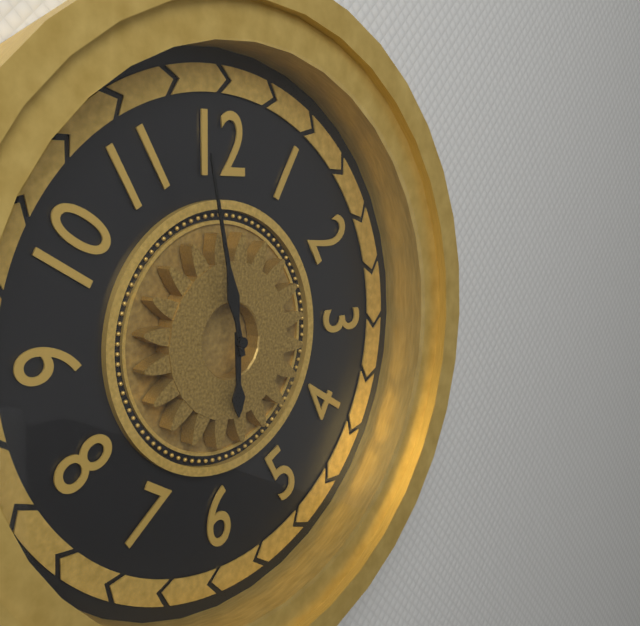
**5:58**
